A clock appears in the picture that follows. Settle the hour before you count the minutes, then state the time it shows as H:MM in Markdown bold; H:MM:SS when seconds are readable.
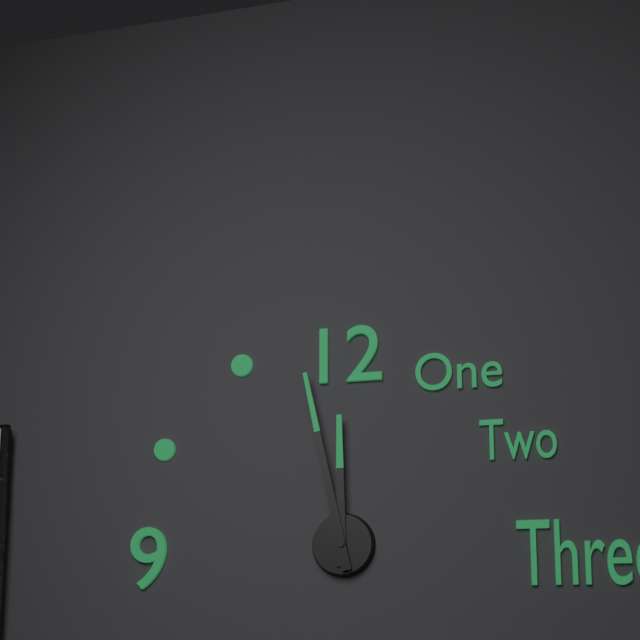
**11:58**
